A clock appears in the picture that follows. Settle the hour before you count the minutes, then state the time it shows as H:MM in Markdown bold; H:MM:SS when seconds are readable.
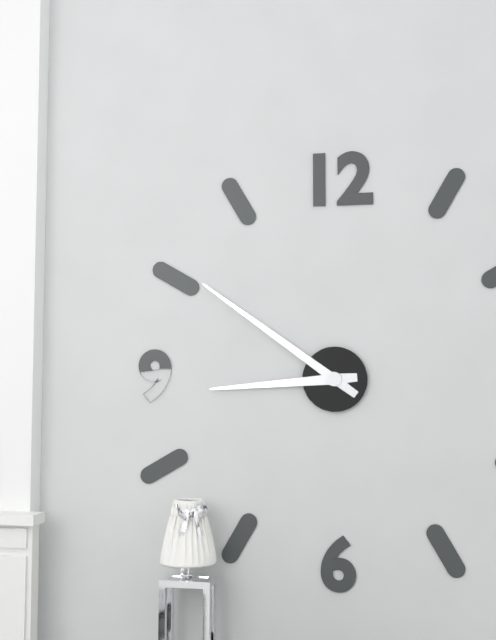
**8:51**
